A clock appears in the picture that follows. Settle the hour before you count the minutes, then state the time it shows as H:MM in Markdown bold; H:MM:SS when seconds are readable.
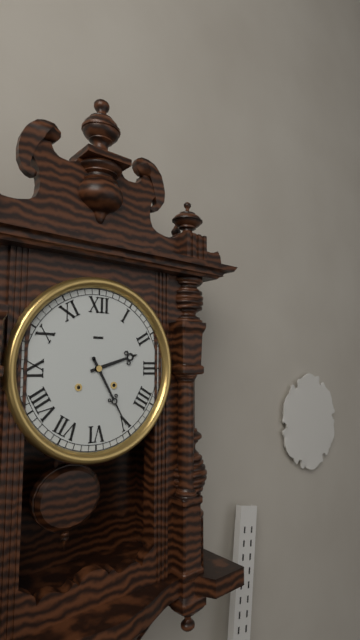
**2:25**
